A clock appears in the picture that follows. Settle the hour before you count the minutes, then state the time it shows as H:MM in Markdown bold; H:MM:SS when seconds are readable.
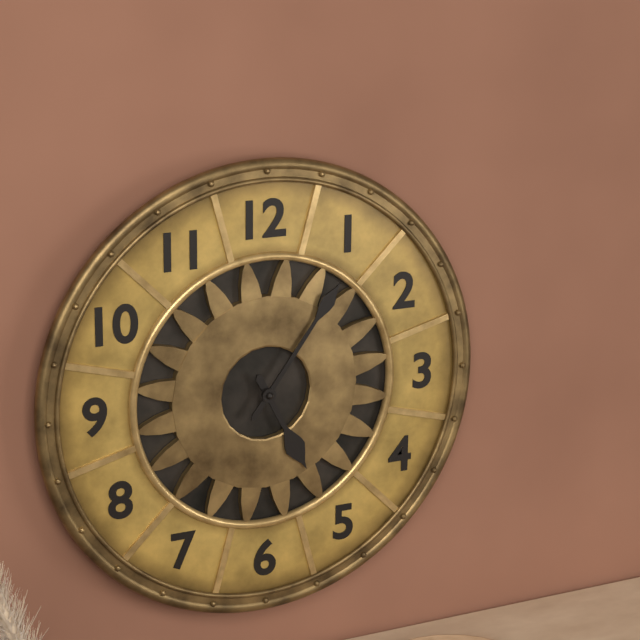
**5:06**
